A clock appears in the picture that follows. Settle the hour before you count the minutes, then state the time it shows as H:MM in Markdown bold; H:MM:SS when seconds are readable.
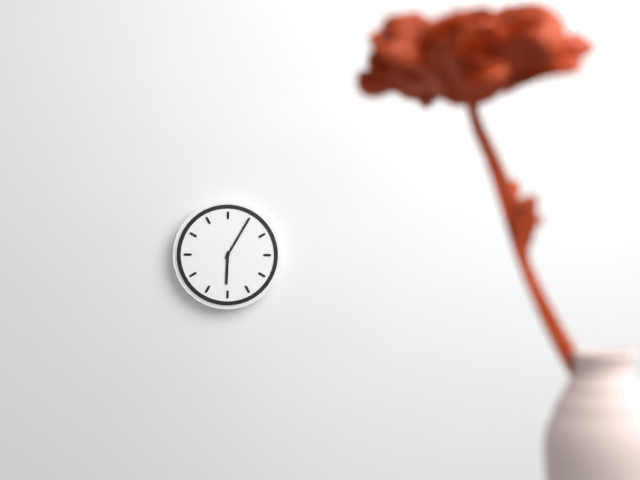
**6:05**
